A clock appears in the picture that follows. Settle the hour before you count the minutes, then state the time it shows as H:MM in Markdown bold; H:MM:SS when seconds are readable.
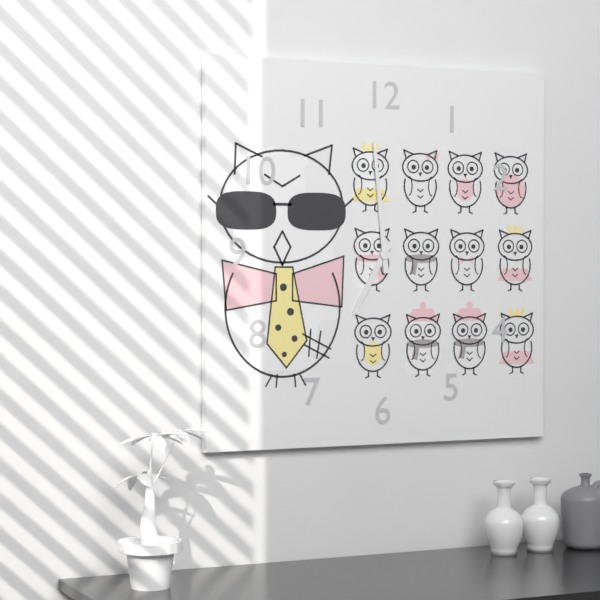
**6:59**
